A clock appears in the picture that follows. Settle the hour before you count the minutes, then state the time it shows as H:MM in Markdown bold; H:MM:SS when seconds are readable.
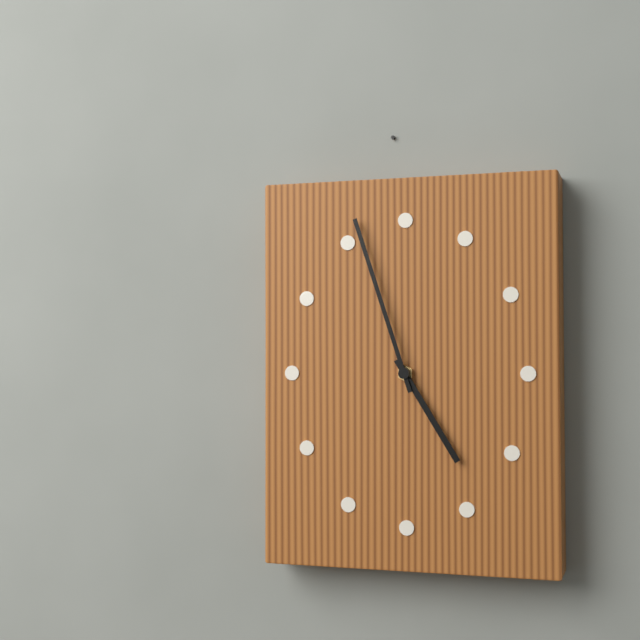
**4:57**
